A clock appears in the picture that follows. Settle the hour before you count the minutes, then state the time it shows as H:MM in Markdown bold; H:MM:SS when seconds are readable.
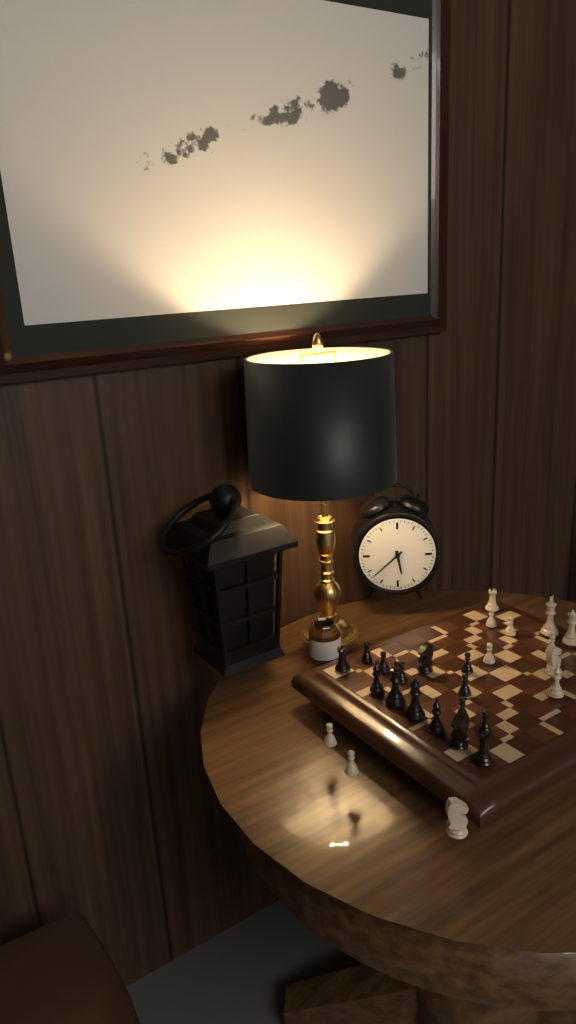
**5:38**
